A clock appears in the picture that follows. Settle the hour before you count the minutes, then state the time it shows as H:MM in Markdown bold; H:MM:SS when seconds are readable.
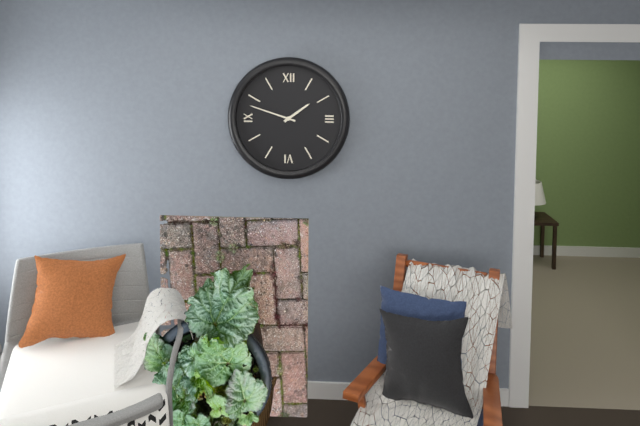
**1:48**
